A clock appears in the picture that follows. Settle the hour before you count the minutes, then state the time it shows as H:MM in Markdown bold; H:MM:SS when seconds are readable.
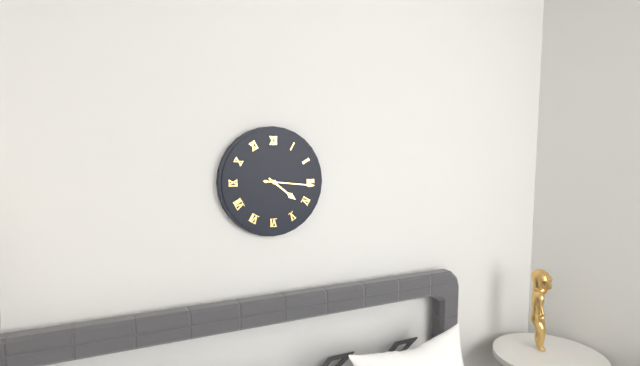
**4:16**
